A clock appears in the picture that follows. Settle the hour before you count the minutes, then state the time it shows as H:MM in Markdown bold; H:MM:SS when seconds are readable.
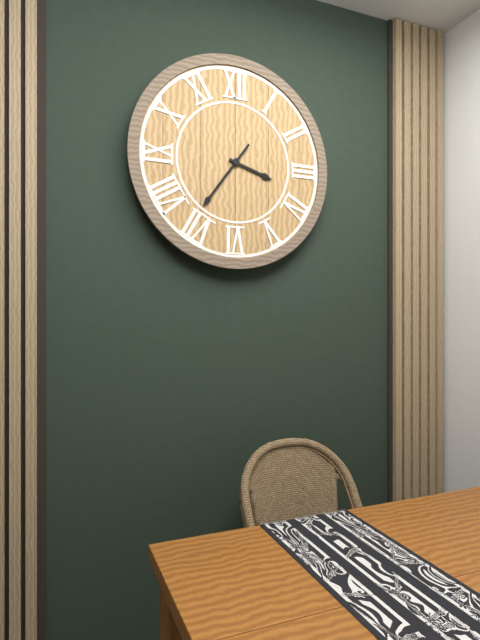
**3:36**
